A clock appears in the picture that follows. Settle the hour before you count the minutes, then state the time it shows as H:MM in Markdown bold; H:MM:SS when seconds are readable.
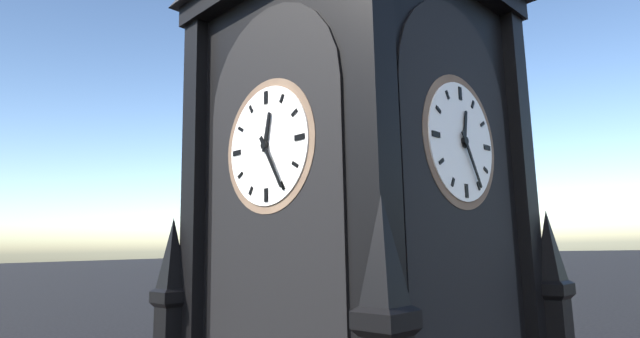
**12:25**
